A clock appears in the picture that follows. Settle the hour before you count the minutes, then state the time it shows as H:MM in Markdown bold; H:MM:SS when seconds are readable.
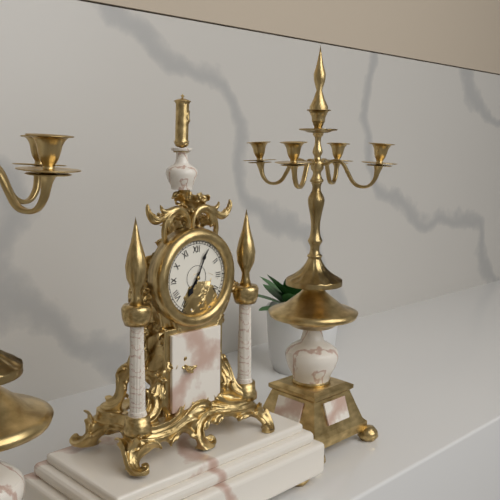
**7:04**
